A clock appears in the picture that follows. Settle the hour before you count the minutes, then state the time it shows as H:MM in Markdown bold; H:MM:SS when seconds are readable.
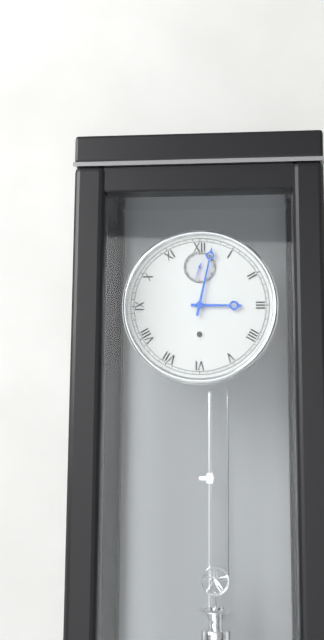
**3:02**
